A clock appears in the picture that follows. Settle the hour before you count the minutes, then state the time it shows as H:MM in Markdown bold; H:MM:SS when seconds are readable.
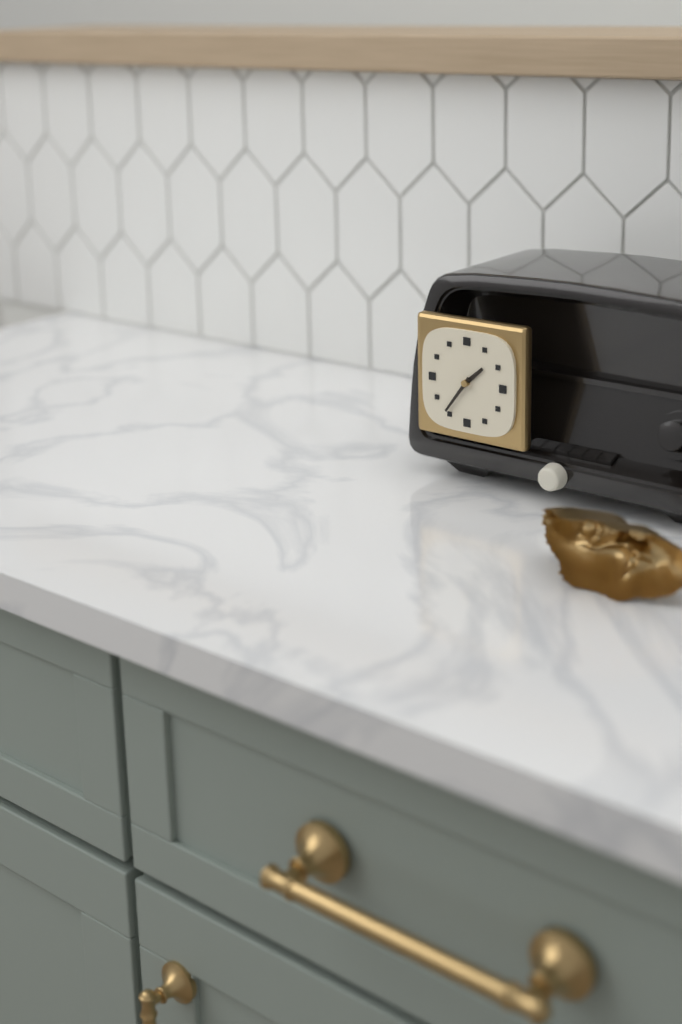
**1:36**
